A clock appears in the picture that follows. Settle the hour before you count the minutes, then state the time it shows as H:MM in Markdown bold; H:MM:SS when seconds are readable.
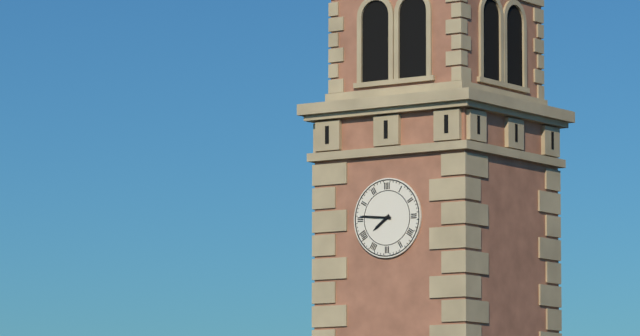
**7:46**
